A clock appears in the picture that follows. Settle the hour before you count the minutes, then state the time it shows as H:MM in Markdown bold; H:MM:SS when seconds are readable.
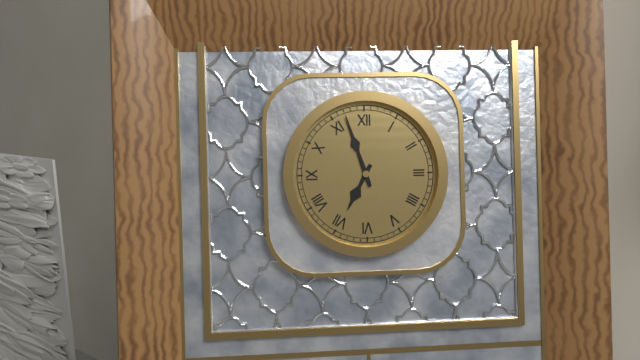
**6:57**
